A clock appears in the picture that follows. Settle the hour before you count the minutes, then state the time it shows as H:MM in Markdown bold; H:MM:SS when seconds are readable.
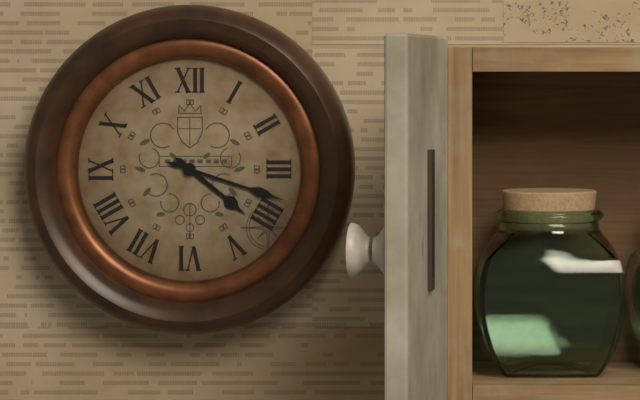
**4:18**
